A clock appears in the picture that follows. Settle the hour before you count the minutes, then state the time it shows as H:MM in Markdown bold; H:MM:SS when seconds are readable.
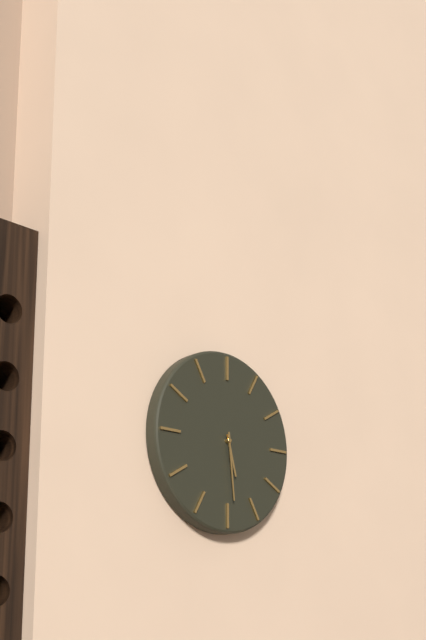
**5:29**
